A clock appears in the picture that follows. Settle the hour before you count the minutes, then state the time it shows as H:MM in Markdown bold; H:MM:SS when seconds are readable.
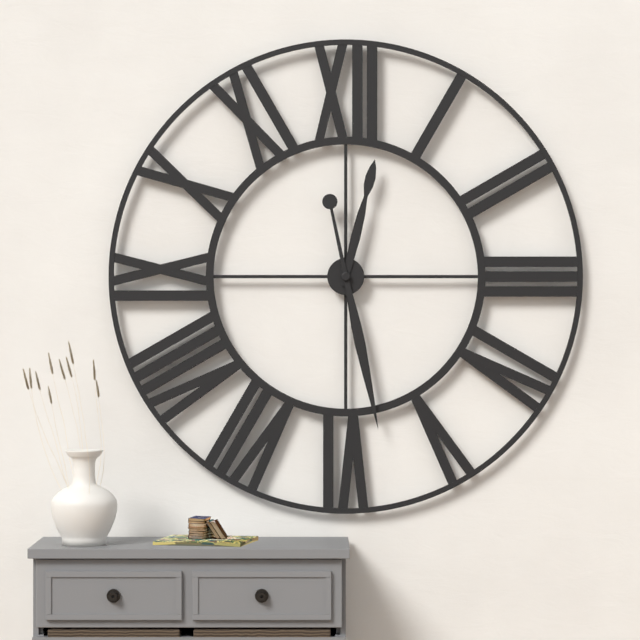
**12:28**
